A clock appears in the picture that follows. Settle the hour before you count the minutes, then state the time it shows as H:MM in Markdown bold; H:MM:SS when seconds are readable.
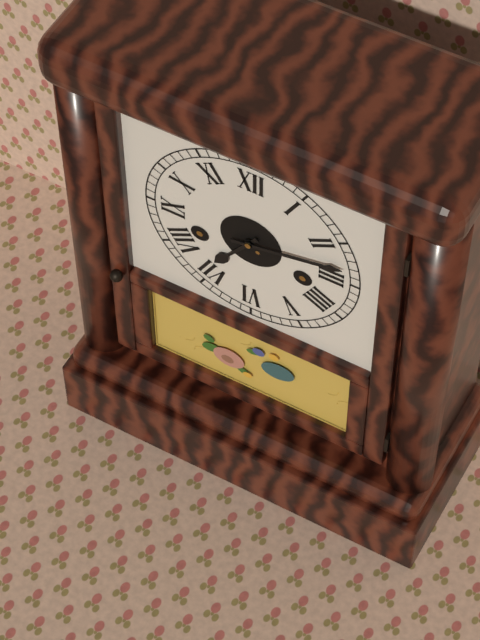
**7:13**
